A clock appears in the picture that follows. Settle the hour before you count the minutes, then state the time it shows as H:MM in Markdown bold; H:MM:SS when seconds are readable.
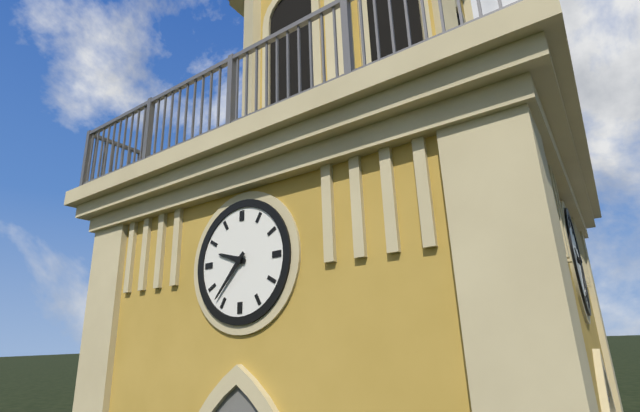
**9:37**
